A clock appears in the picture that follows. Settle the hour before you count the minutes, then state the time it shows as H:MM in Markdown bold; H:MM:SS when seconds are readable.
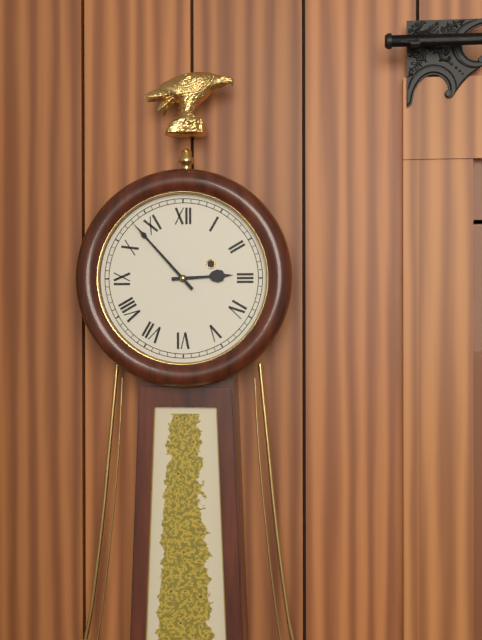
**2:53**
